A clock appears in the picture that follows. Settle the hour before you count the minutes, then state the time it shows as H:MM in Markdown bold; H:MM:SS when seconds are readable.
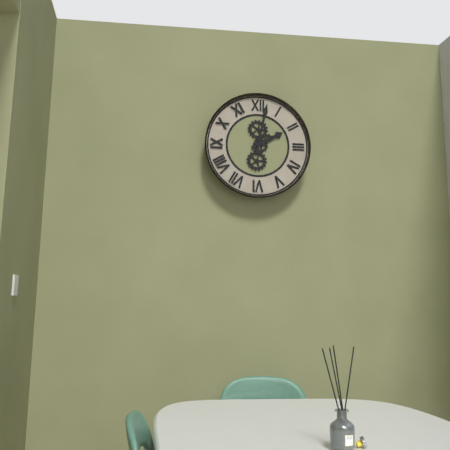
**2:02**
